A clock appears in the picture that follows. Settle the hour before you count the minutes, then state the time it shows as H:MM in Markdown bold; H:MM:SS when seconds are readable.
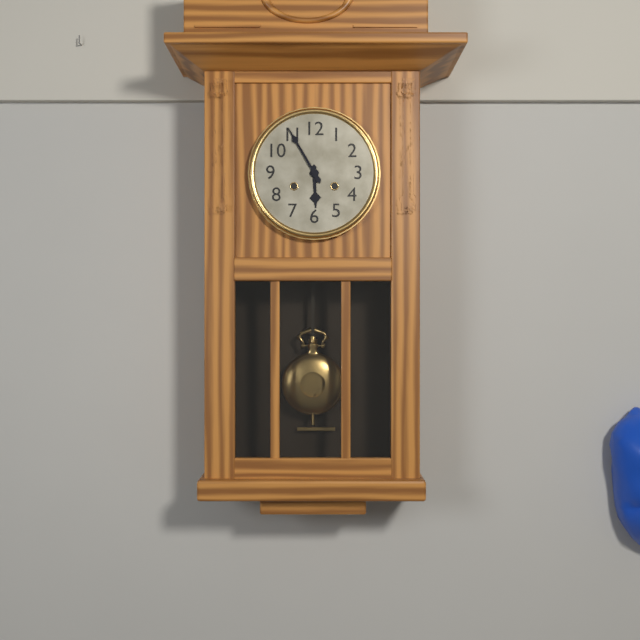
**5:55**
